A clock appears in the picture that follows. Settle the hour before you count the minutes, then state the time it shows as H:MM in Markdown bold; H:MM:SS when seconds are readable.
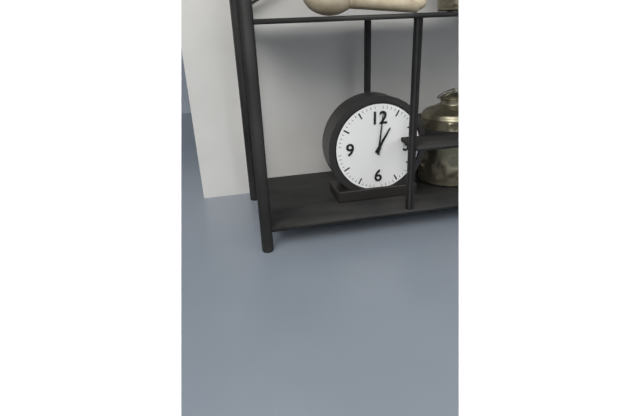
**1:01**
